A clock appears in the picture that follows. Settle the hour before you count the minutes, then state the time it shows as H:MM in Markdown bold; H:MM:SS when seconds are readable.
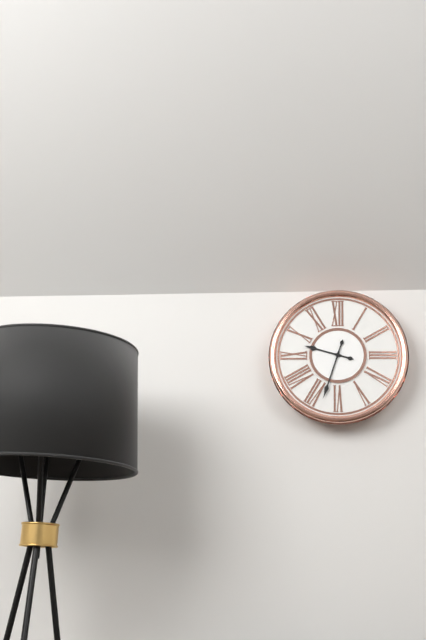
**9:33**
